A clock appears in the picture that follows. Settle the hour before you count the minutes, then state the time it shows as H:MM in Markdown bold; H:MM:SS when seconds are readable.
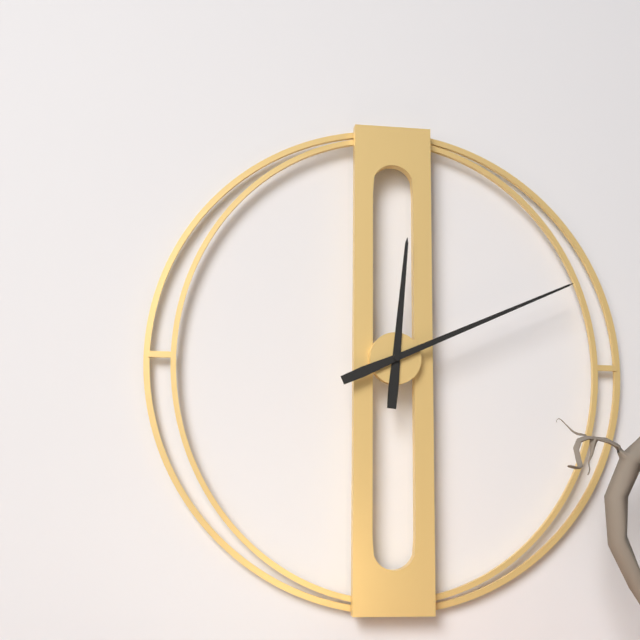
**12:11**
